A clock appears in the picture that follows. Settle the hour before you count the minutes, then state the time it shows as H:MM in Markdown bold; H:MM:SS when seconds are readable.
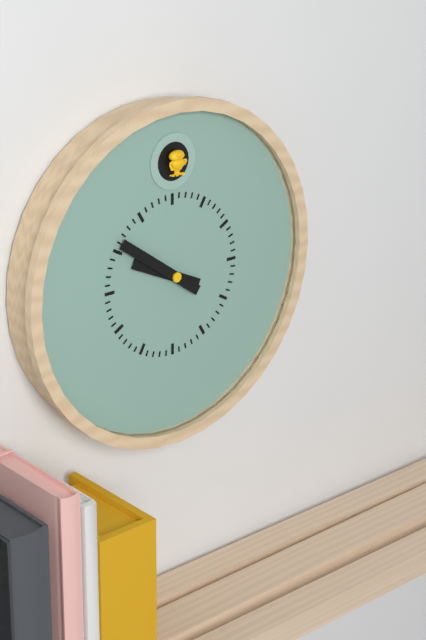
**9:51**
